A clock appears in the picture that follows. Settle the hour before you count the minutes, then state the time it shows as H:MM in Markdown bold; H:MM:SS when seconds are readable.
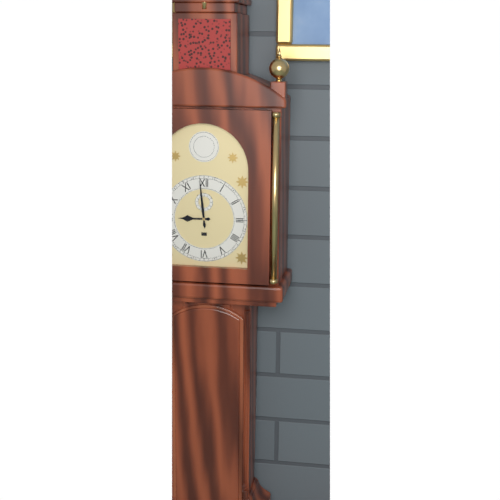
**8:59**
